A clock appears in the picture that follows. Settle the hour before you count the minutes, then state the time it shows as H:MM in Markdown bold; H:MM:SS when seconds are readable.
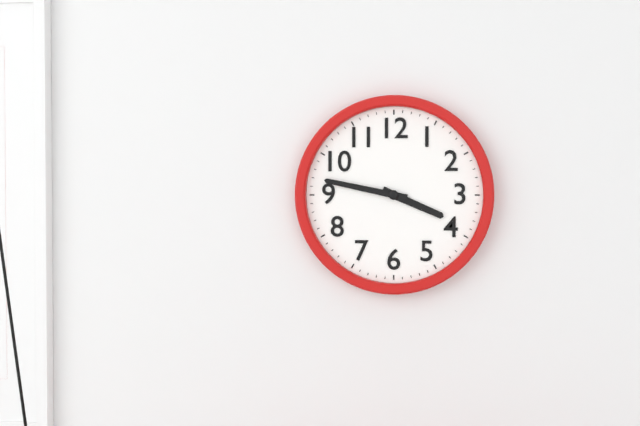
**3:47**
